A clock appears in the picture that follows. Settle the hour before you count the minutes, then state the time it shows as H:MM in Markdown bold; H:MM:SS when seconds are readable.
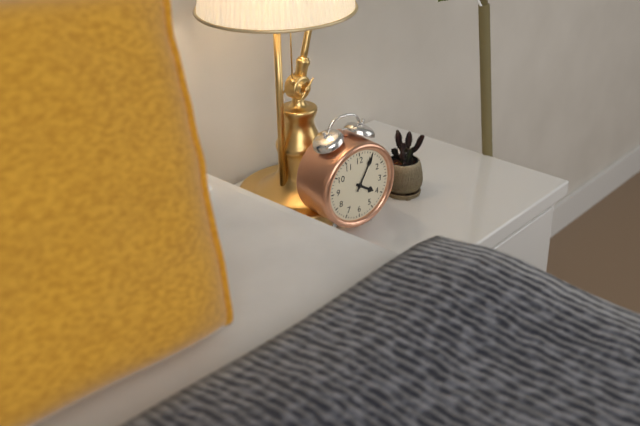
**4:05**
